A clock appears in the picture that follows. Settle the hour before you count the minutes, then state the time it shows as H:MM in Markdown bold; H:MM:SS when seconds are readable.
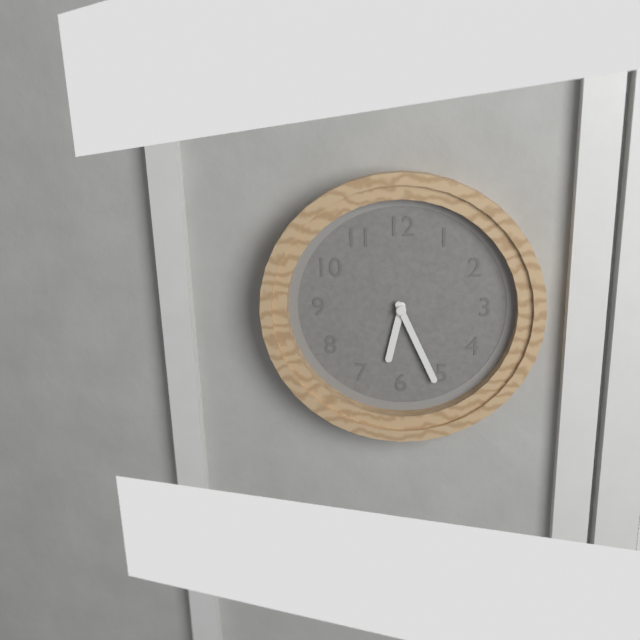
**6:26**
